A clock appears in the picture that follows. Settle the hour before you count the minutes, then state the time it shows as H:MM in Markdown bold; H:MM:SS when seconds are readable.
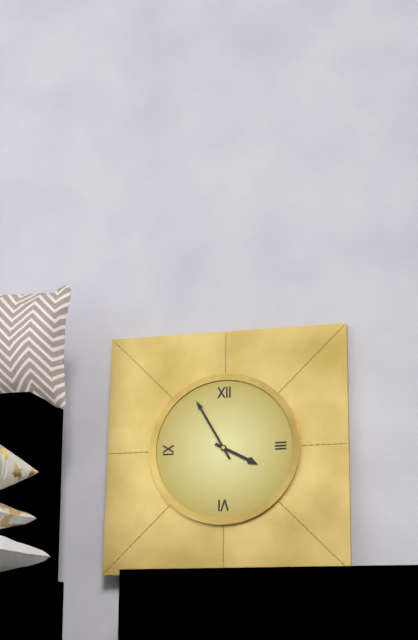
**3:55**
